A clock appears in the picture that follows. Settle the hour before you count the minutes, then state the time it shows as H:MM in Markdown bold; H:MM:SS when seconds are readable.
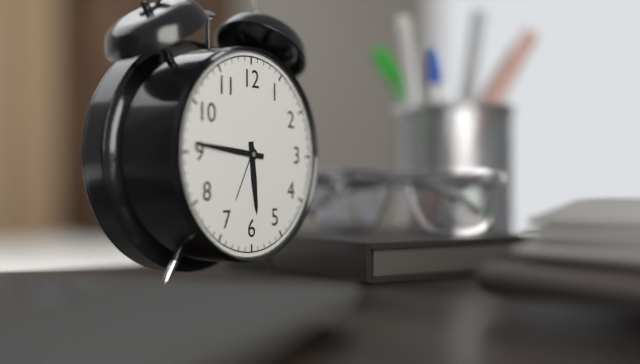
**5:46**
